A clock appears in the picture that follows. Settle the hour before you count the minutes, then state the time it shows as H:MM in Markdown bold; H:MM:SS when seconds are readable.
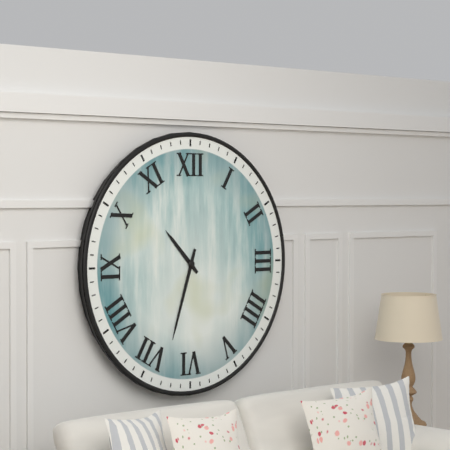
**10:33**
